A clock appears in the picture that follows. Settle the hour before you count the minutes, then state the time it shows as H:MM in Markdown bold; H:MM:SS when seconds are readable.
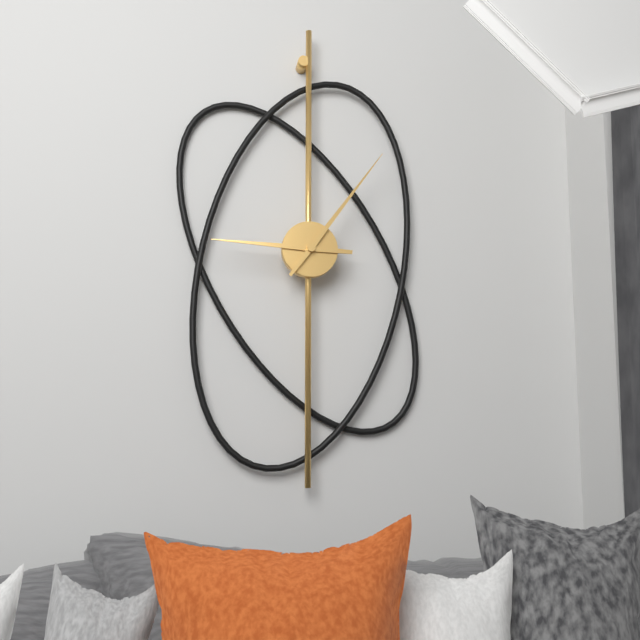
**9:06**
